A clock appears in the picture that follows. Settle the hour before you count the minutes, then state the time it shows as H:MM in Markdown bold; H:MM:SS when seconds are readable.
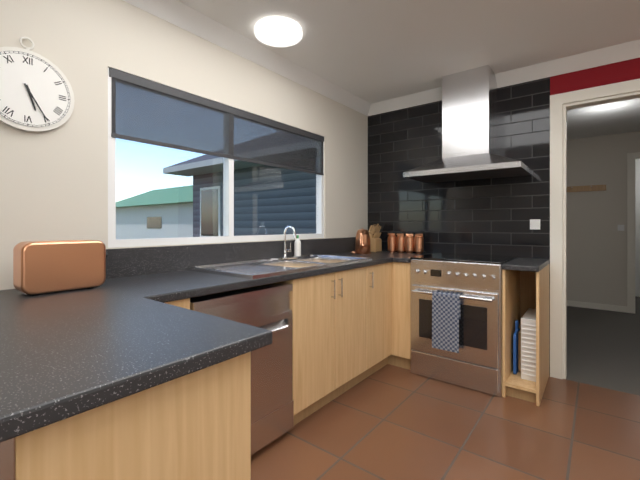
**5:25**
